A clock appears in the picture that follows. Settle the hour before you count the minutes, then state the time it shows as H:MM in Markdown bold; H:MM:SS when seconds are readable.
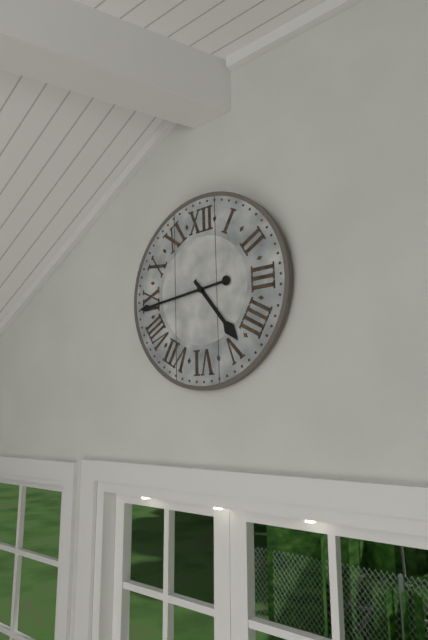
**4:44**
